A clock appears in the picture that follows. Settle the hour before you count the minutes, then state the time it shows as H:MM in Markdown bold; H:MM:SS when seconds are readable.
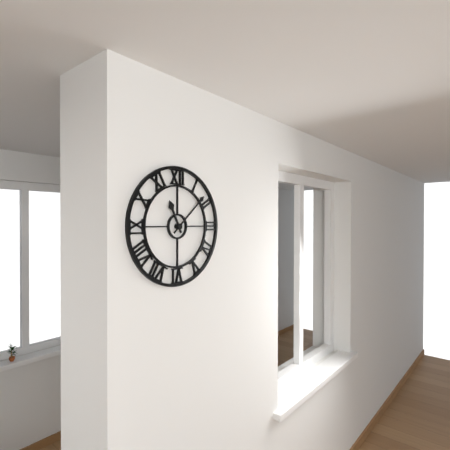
**11:08**
